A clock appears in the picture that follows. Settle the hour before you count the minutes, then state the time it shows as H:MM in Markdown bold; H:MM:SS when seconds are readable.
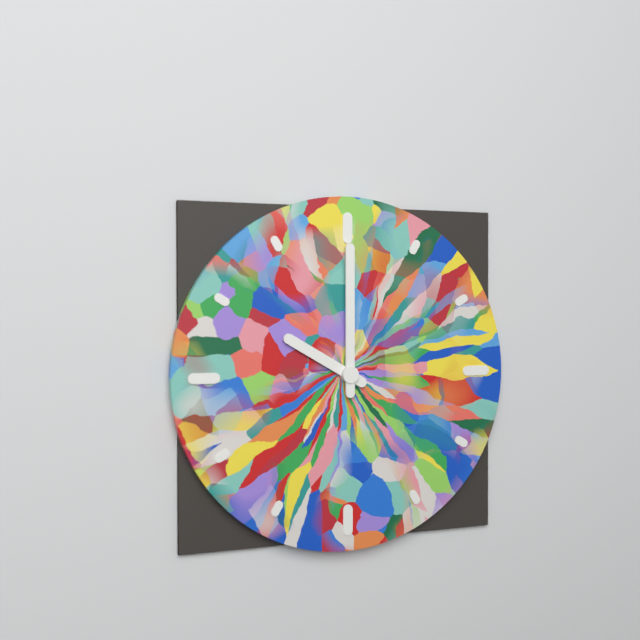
**10:00**
